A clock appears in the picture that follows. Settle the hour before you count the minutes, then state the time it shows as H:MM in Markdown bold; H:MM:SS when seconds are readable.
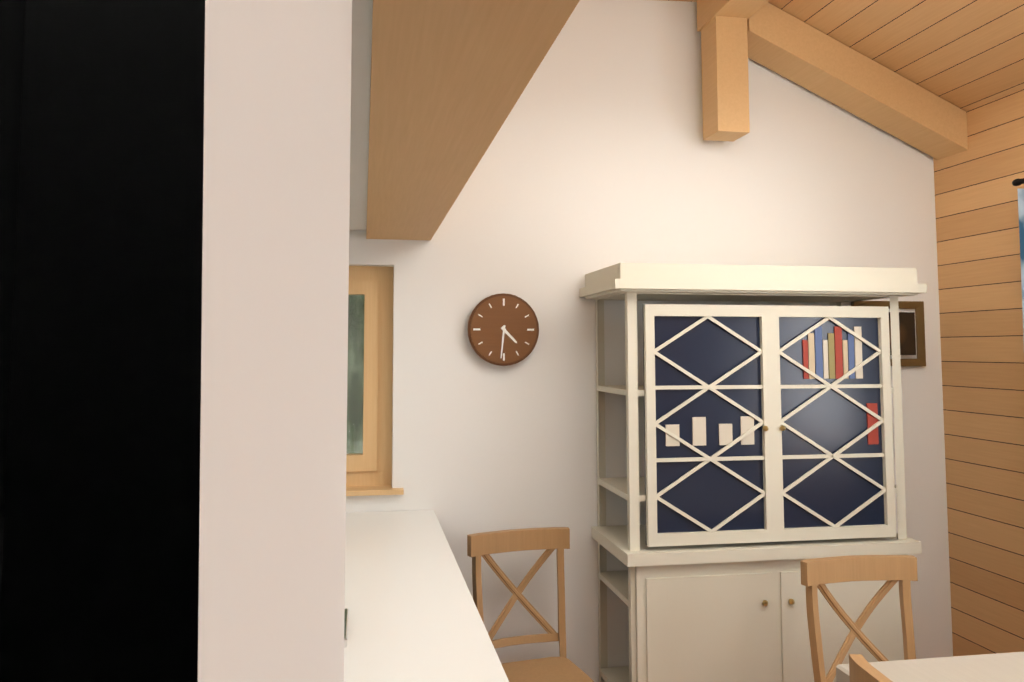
**4:31**
